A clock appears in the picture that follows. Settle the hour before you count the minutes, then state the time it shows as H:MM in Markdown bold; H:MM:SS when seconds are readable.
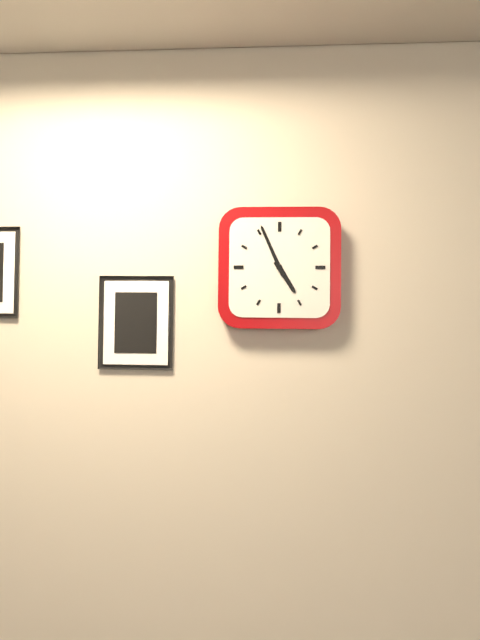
**4:56**
